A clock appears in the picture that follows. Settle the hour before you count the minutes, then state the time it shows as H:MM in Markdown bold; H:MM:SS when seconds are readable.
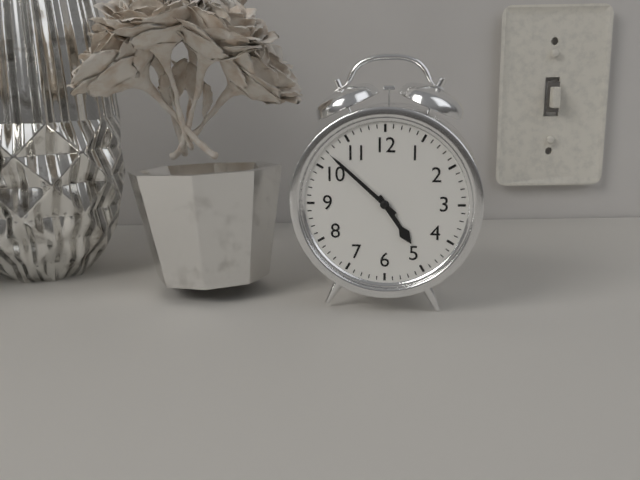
**4:52**
